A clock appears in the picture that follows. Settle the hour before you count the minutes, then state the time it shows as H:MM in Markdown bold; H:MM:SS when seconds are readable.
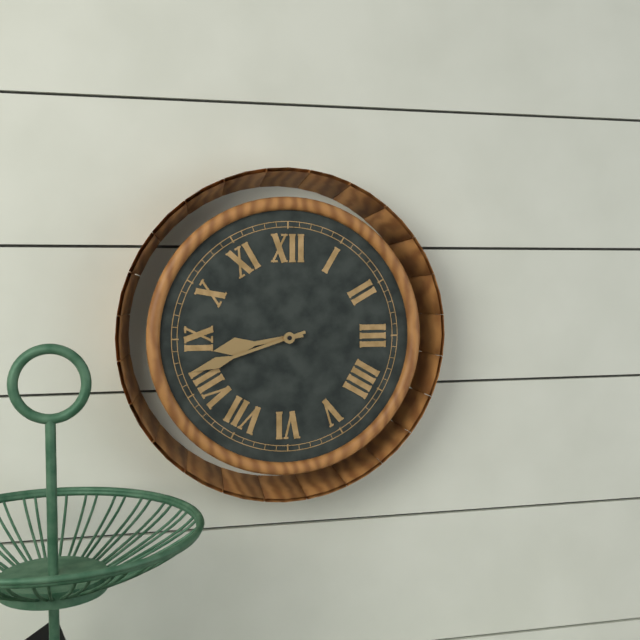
**8:42**
